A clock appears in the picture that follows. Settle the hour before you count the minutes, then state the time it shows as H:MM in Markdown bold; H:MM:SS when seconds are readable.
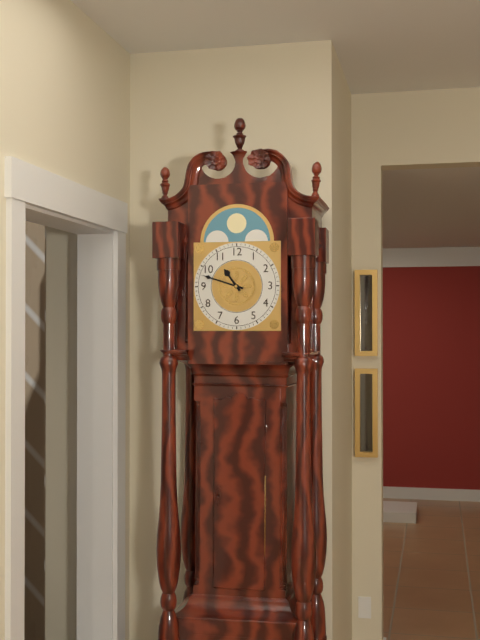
**10:48**
